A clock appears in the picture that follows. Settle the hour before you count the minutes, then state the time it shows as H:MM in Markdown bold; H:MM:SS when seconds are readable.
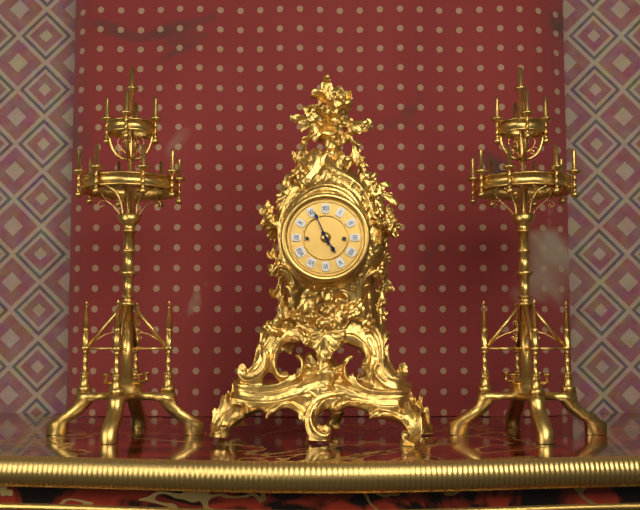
**4:56**
